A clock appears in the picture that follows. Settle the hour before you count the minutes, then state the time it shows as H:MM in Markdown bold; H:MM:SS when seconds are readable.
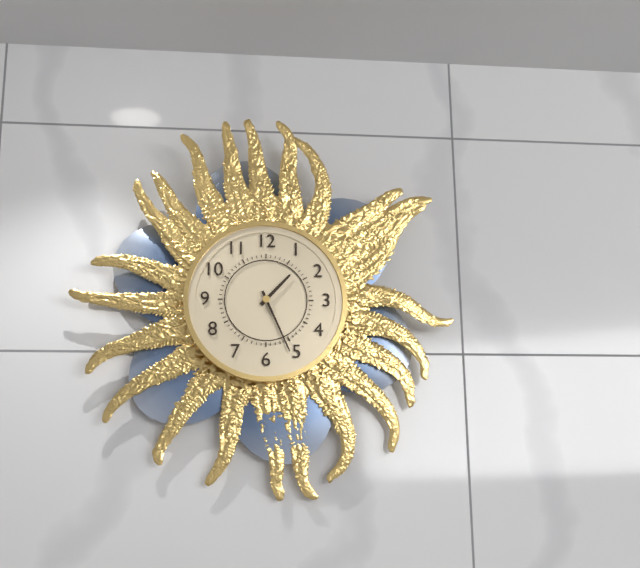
**1:26**
